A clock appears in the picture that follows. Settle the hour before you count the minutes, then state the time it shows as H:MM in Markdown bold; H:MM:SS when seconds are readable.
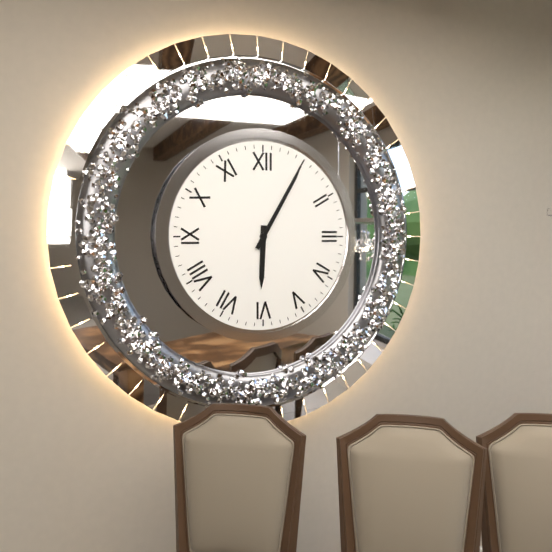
**6:05**
